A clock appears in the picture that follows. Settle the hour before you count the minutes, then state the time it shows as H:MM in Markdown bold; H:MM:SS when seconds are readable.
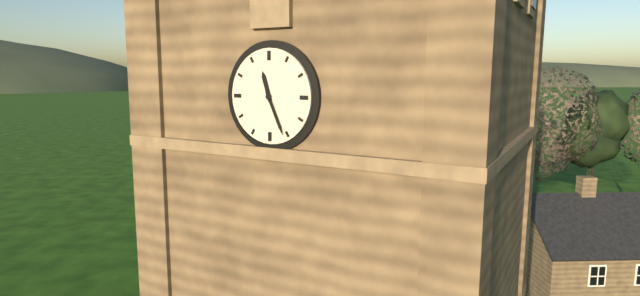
**11:26**
